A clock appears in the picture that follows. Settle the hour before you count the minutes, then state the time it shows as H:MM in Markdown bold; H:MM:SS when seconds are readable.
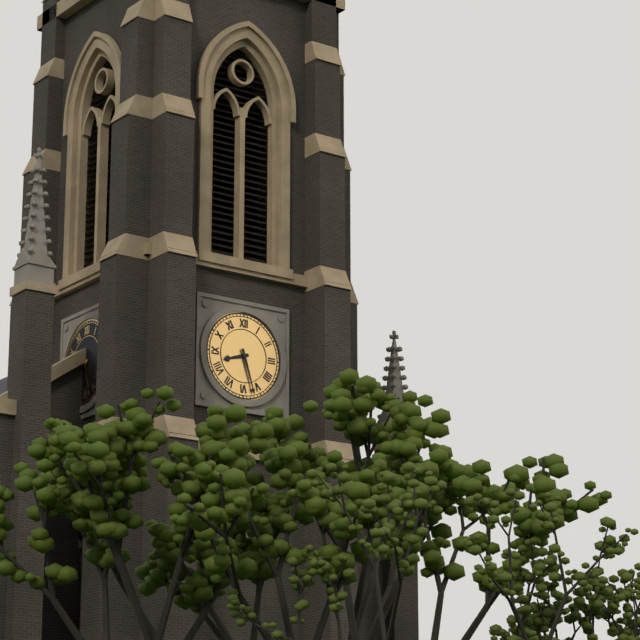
**8:27**
